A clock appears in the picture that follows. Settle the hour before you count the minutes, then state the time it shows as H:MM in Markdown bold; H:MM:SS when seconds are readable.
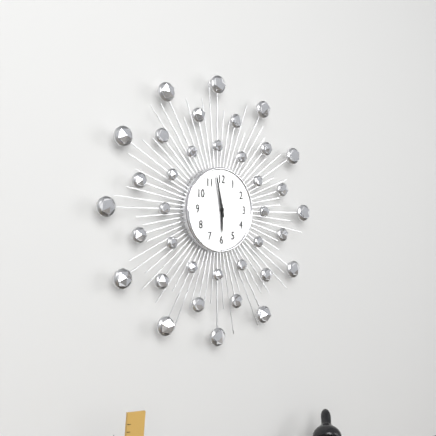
**5:58**
